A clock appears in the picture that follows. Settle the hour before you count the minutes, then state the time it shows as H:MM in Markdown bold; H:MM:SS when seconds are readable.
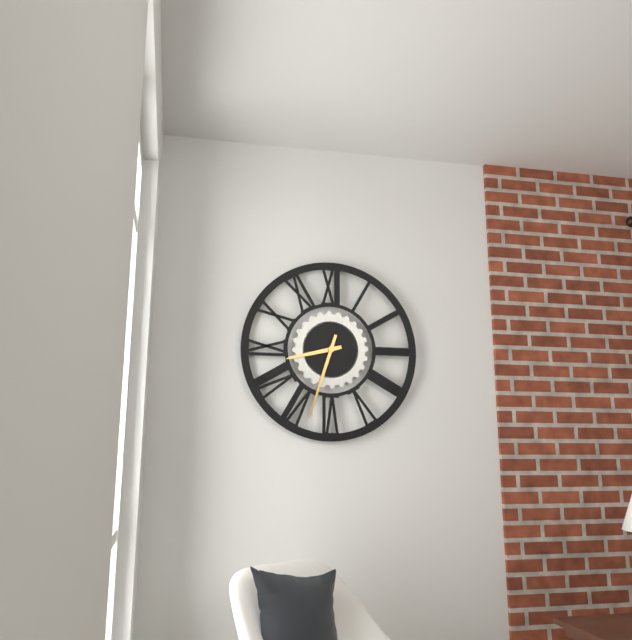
**8:33**
